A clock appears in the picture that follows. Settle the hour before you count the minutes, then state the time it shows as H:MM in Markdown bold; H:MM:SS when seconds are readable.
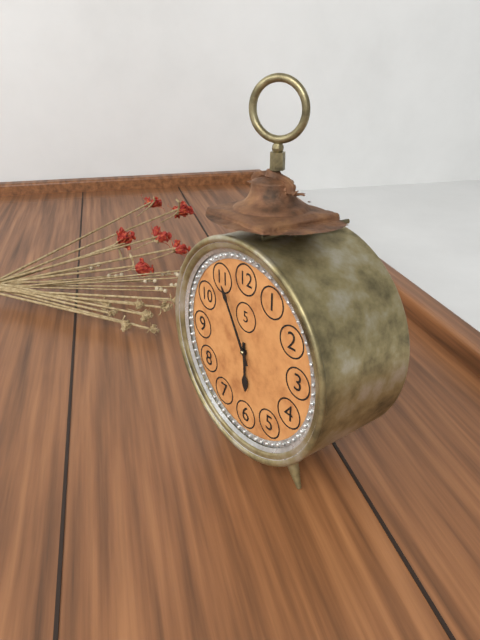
**5:55**
